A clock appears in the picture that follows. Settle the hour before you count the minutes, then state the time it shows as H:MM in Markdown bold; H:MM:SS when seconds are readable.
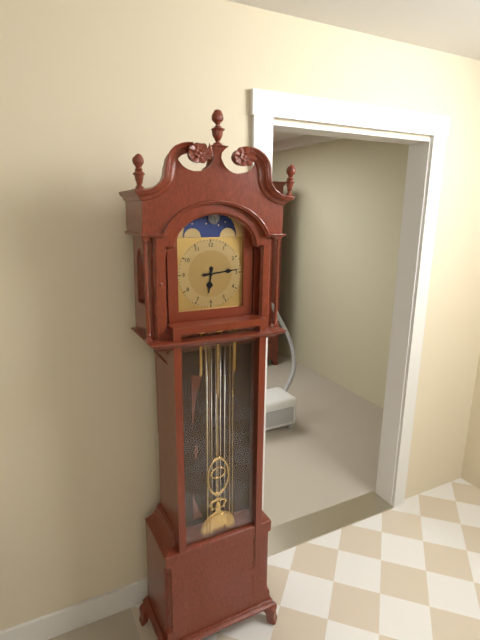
**6:14**
